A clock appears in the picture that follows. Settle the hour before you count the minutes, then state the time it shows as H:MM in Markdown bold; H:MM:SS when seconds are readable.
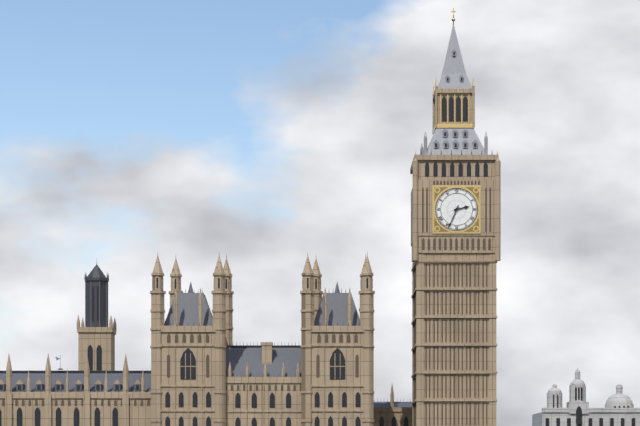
**2:34**
